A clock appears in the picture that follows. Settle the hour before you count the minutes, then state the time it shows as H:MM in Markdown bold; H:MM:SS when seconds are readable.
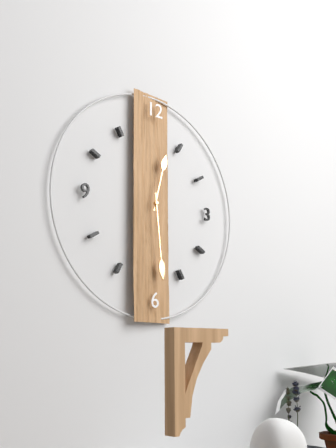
**12:29**
